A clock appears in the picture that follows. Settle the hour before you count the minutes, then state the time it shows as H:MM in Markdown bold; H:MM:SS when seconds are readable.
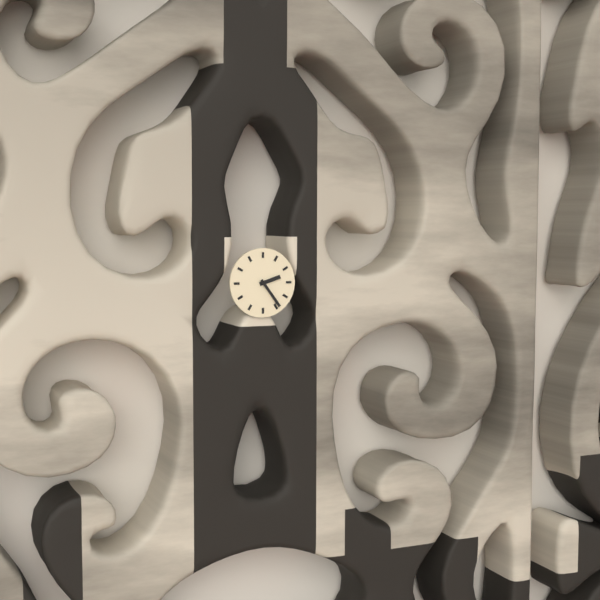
**2:24**
